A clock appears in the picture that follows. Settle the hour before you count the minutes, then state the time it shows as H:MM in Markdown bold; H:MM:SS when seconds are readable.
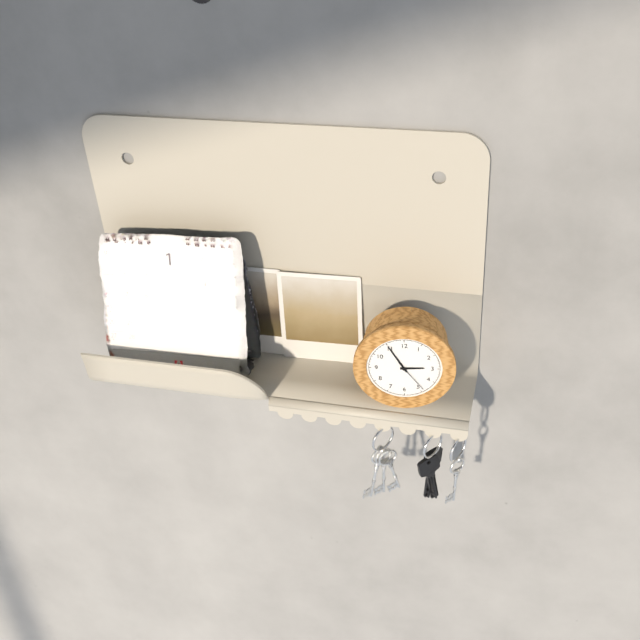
**2:55**
